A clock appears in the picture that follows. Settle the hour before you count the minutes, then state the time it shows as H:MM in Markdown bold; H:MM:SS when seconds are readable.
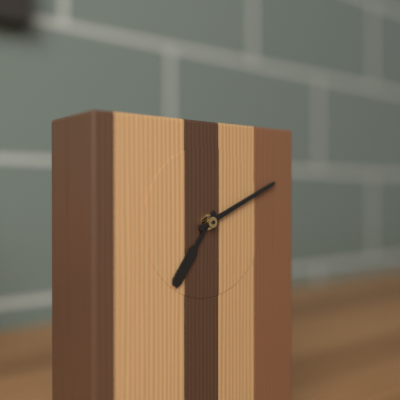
**7:11**
